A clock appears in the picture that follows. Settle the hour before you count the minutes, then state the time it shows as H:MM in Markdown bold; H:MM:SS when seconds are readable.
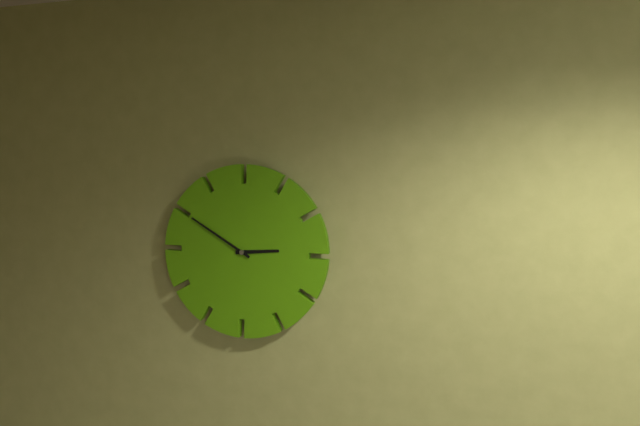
**2:50**
